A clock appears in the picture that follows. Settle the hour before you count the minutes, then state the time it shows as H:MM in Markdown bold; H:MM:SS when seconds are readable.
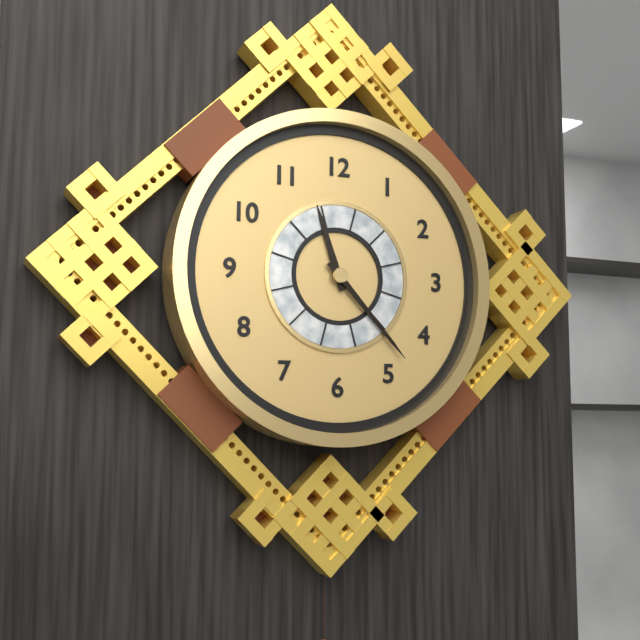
**11:23**
